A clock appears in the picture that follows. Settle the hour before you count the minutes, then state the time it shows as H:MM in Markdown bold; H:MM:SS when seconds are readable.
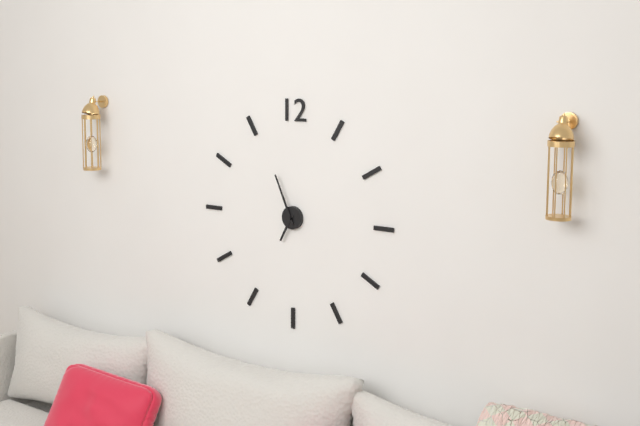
**6:56**
